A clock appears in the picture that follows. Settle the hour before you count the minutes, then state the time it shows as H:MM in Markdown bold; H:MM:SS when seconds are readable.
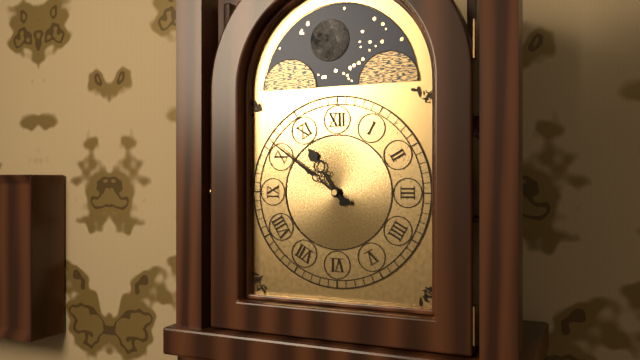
**10:51**
